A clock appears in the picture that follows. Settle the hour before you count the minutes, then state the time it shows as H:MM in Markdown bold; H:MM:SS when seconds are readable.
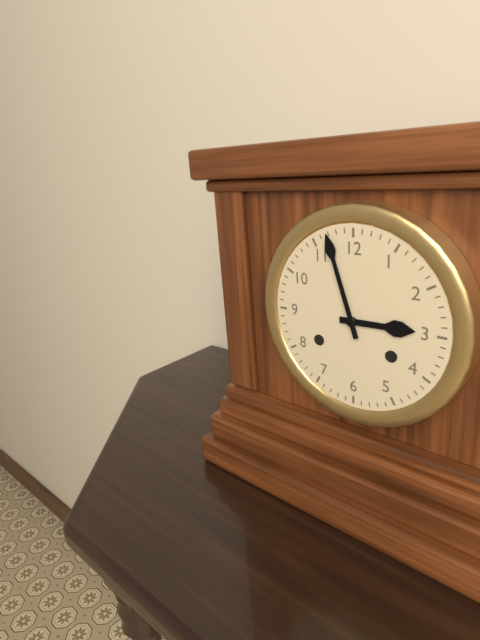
**2:57**
